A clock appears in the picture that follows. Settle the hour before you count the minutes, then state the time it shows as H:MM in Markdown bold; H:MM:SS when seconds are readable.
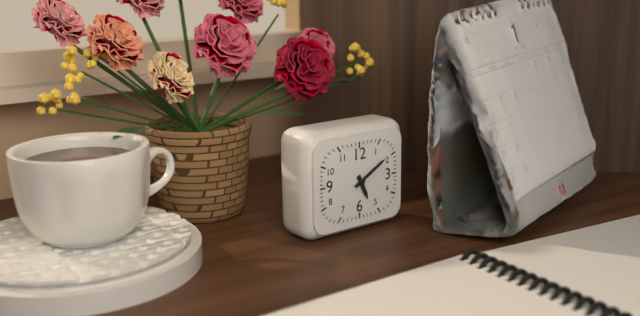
**5:10**
